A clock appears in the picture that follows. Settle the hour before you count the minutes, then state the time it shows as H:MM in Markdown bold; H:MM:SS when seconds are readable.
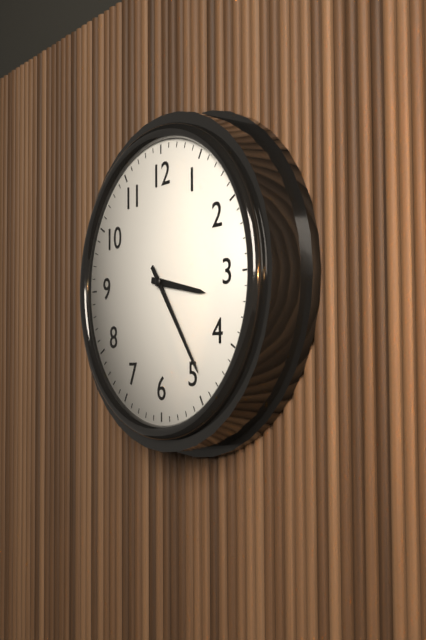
**3:24**
